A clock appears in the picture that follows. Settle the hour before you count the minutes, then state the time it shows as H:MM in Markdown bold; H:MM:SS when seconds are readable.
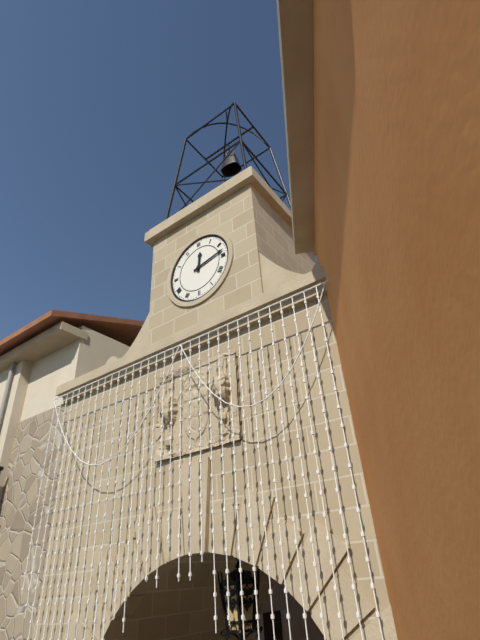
**12:13**
